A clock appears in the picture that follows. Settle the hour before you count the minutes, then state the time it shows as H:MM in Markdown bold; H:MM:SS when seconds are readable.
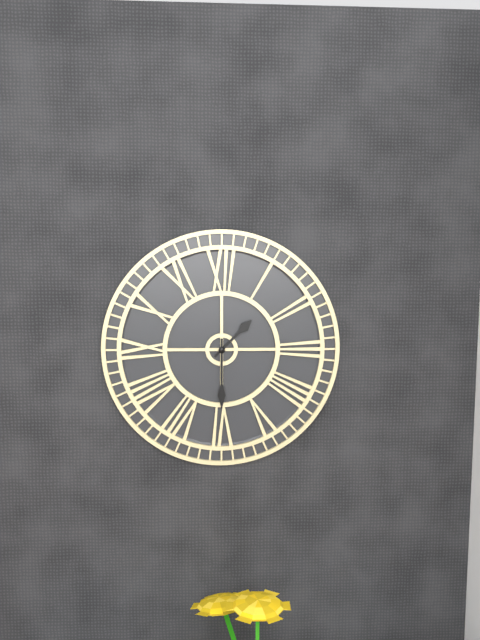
**1:30**
